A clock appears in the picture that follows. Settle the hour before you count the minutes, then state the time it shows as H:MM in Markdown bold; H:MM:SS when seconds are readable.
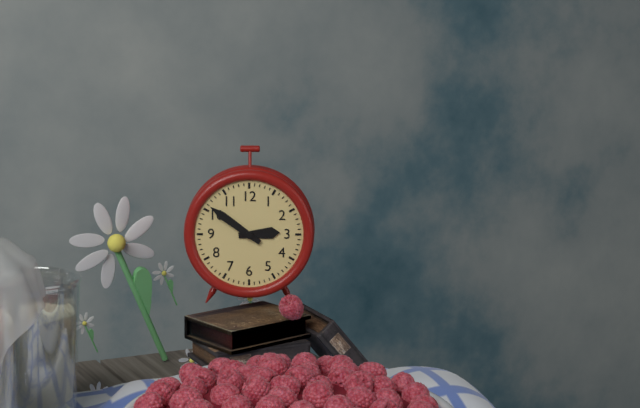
**2:51**
